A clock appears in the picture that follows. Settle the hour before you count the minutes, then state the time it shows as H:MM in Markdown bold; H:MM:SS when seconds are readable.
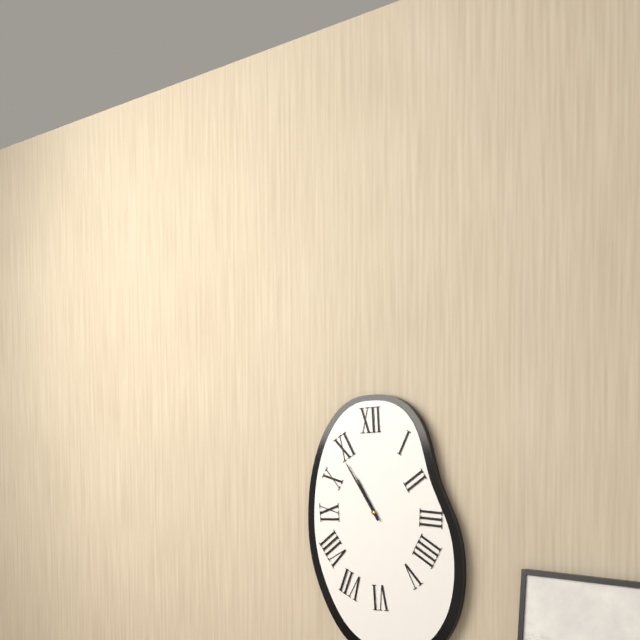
**10:54**
